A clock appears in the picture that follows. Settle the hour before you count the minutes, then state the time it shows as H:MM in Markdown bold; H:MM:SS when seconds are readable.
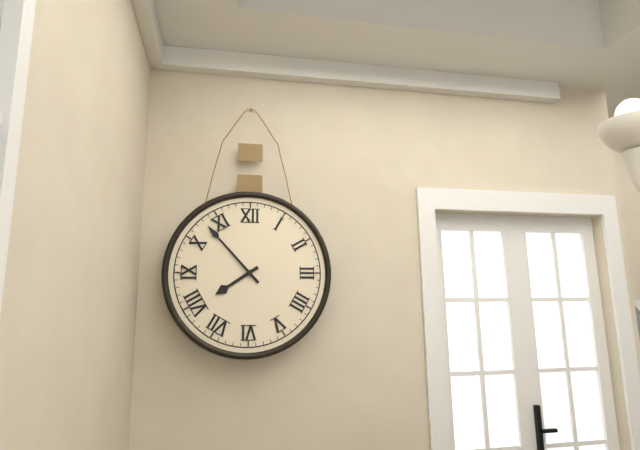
**7:53**
